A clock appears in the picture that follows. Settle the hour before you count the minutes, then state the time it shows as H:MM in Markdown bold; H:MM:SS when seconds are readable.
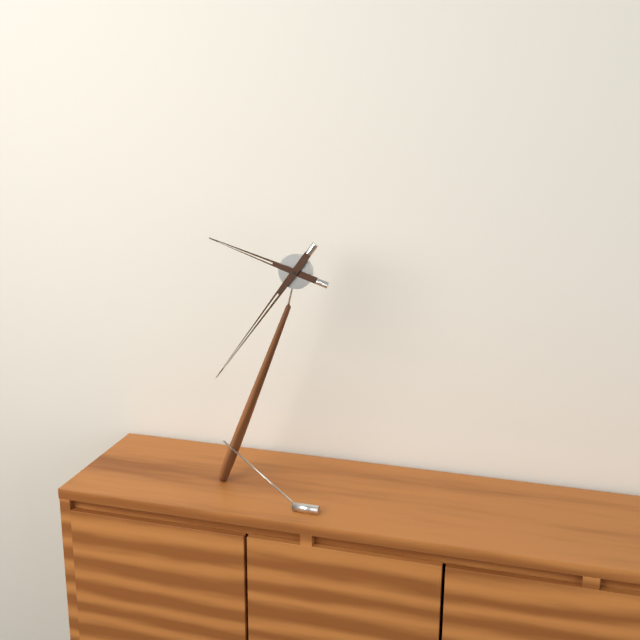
**9:36**
